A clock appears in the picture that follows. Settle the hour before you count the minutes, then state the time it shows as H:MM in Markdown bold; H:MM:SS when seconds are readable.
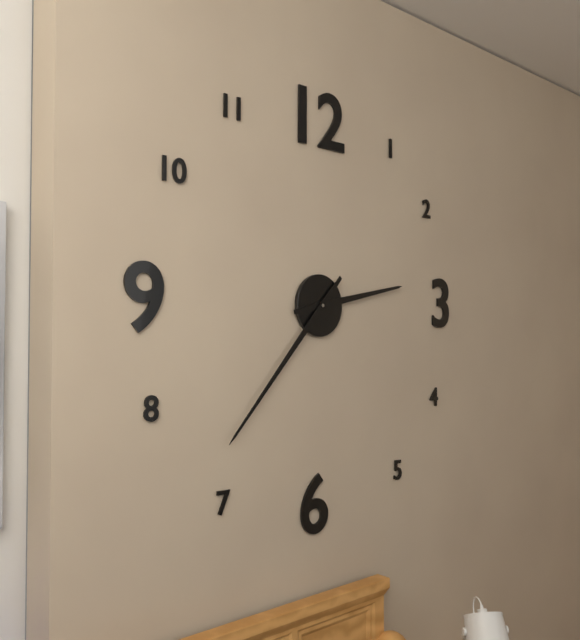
**2:37**
